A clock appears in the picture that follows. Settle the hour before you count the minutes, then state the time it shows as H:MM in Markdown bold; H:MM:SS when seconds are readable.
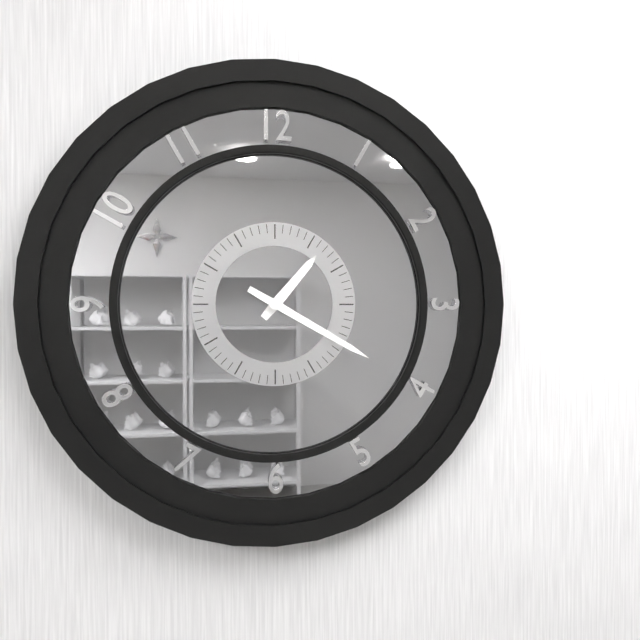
**1:20**
